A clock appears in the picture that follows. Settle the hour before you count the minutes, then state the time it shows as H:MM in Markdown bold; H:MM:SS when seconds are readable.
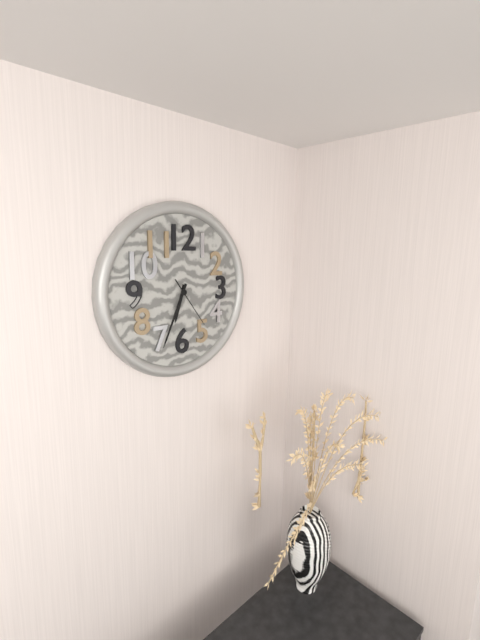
**6:34**
